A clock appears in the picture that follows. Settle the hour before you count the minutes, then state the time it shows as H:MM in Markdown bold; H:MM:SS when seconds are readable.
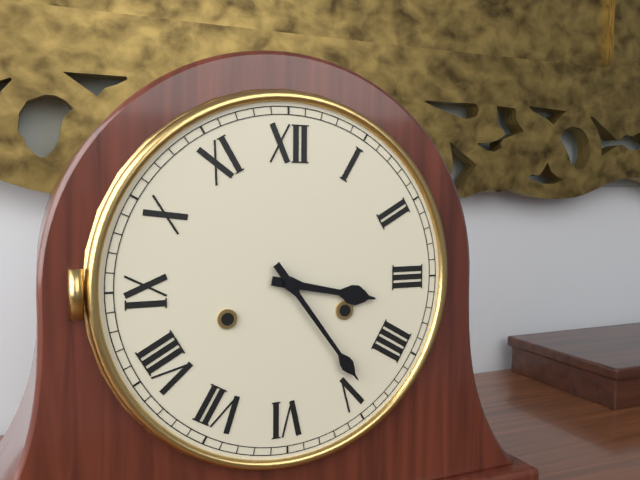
**3:24**
